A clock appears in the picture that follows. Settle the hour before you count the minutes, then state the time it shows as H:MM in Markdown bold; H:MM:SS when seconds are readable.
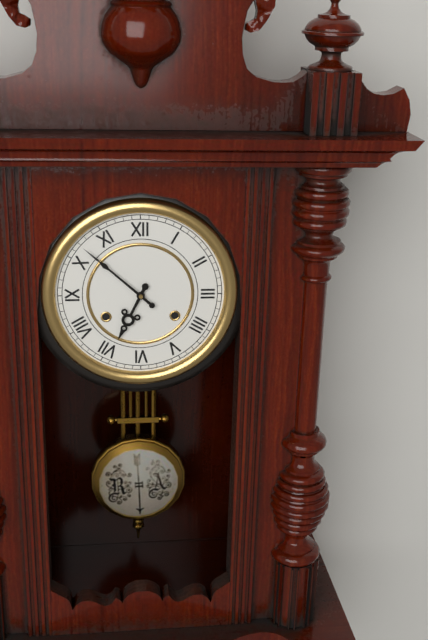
**6:52**
